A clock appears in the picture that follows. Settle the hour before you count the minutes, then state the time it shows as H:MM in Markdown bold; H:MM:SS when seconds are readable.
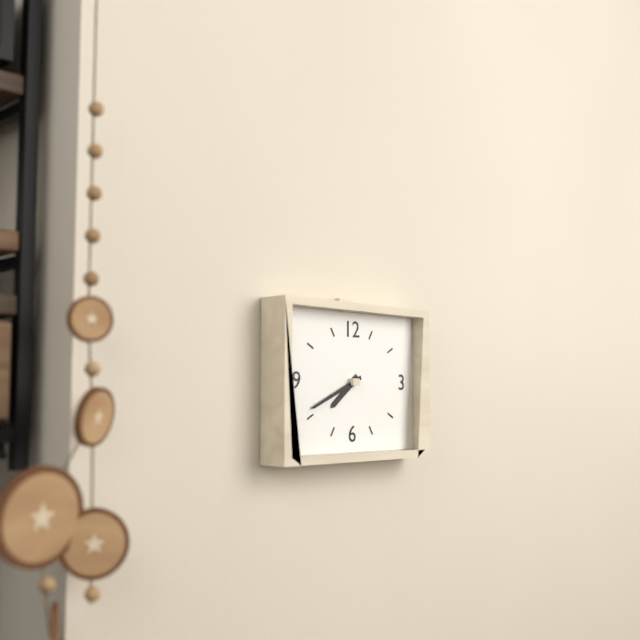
**7:41**
